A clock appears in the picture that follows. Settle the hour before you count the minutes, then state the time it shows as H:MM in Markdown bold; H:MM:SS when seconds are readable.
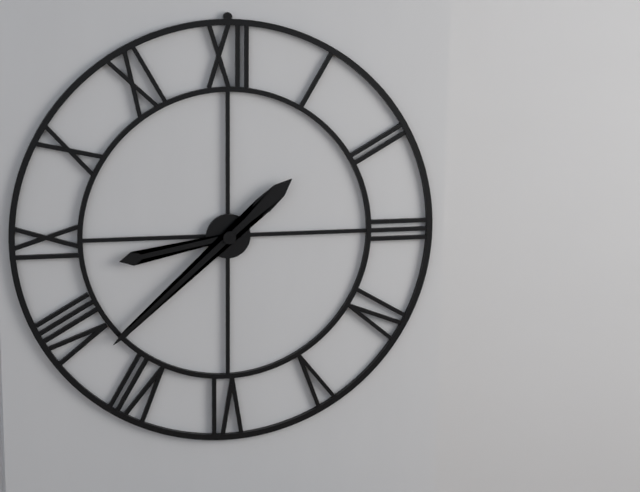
**8:38**
